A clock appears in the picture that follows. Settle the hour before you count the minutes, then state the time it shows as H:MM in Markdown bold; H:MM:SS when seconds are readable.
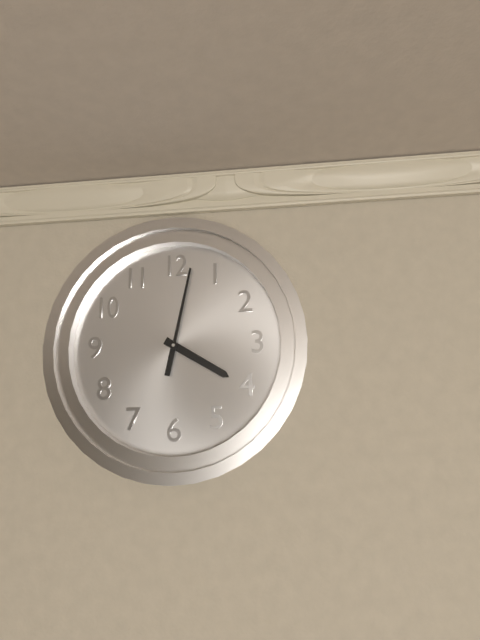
**4:02**
